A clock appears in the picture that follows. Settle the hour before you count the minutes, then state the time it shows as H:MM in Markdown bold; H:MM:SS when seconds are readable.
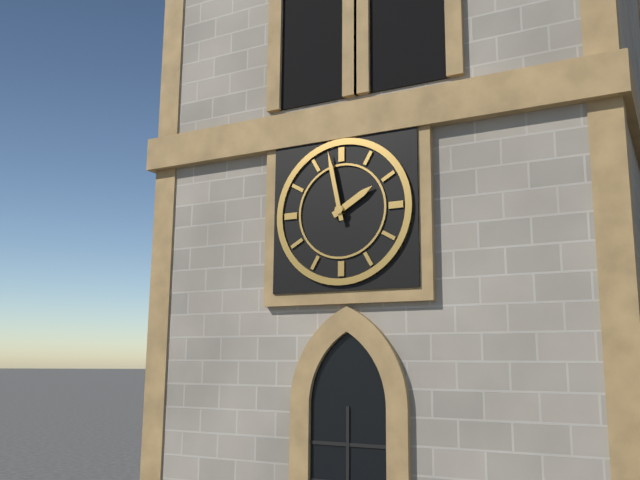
**1:58**
